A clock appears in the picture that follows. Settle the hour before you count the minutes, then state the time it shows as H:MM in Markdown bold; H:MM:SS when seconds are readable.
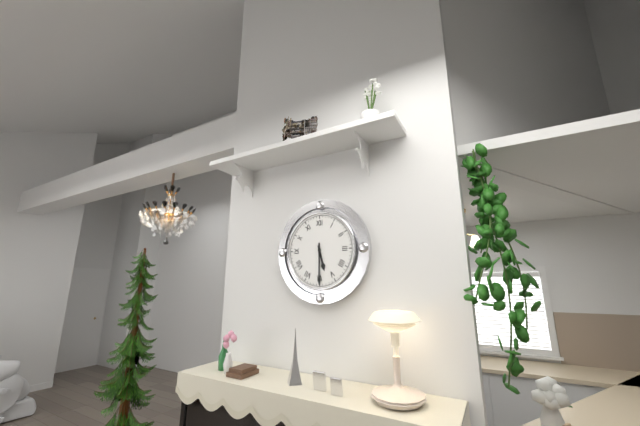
**5:30**
